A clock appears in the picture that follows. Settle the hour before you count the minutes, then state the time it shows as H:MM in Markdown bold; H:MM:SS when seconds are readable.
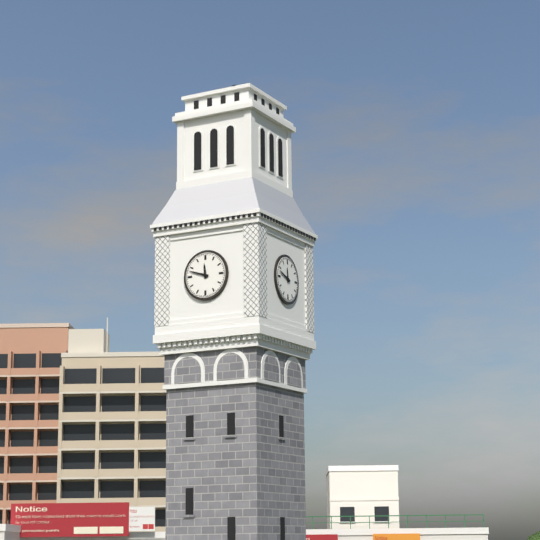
**11:48**
